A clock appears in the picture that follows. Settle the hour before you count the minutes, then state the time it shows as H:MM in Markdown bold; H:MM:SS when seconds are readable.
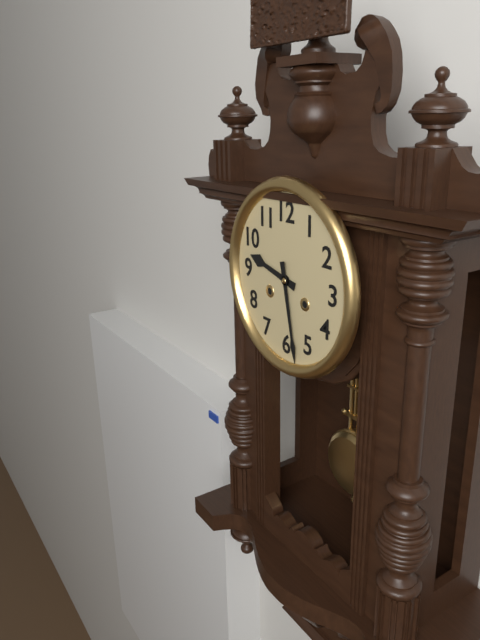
**9:28**
